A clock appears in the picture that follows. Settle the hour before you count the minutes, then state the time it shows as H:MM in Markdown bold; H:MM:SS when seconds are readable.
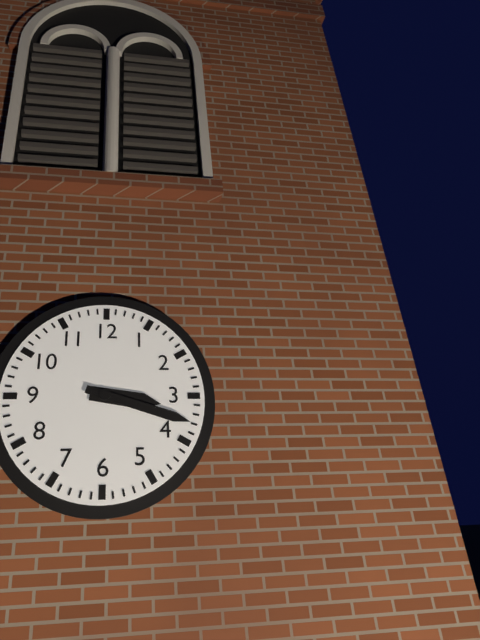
**3:18**
